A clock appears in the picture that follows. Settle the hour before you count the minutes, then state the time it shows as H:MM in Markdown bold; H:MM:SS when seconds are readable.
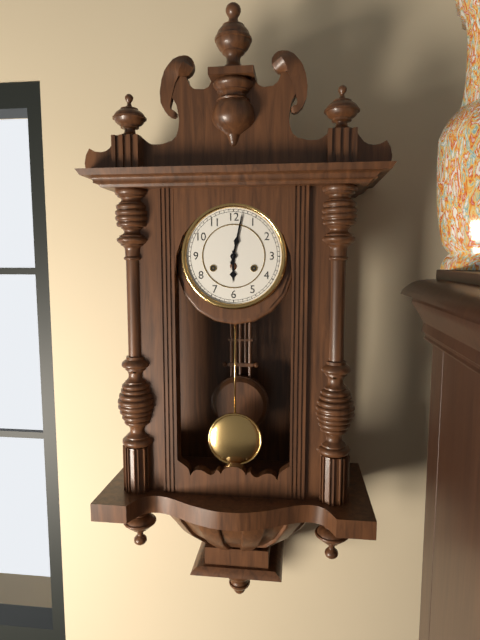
**6:02**
